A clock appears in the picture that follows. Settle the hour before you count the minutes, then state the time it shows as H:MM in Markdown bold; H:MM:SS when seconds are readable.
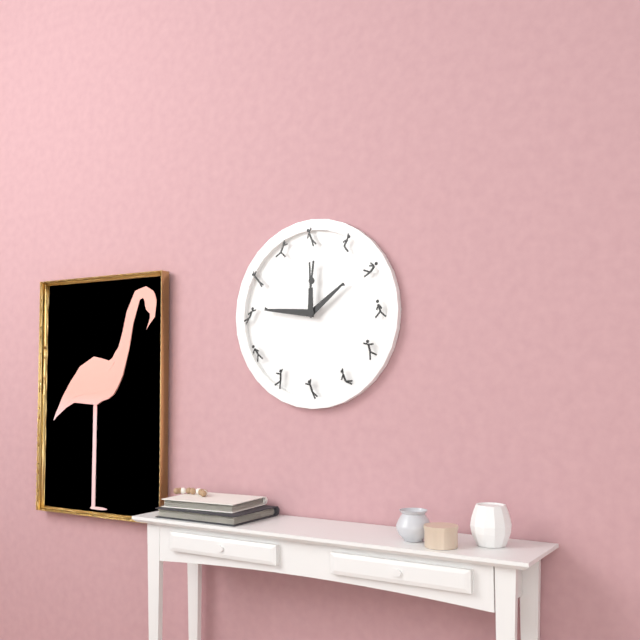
**1:46**
